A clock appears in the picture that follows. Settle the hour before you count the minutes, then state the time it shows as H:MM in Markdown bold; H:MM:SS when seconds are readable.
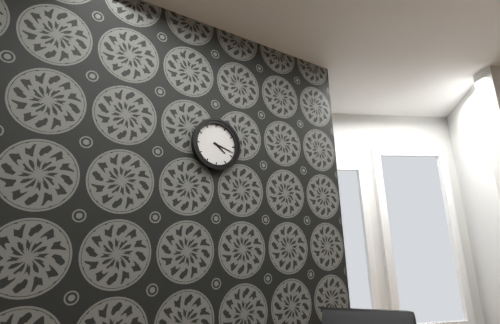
**4:18**
